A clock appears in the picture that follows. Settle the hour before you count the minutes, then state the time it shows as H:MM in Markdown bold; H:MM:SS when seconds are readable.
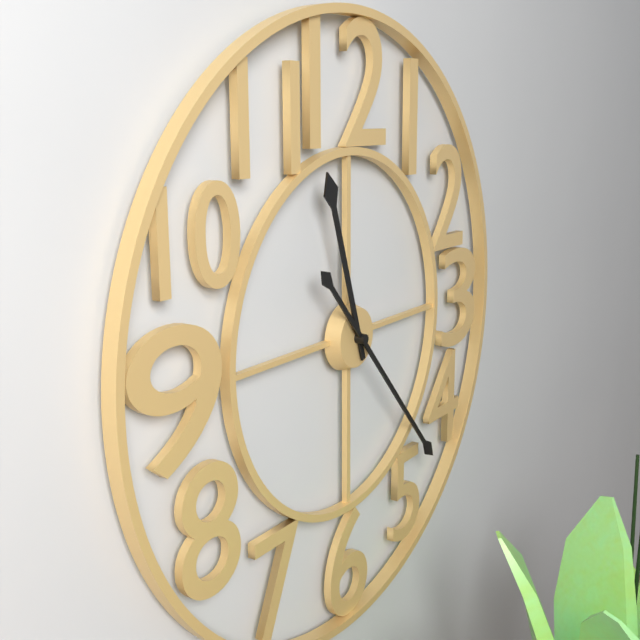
**11:23**
